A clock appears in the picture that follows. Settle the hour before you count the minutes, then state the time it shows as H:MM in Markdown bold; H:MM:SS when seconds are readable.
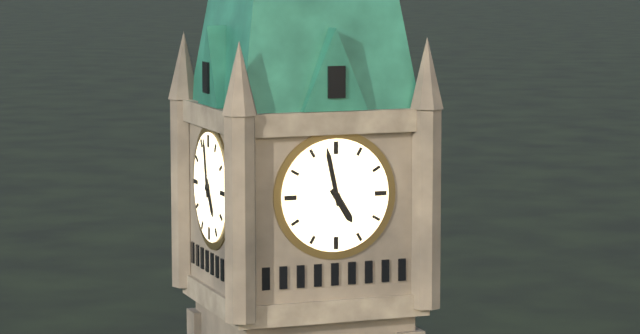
**4:58**
